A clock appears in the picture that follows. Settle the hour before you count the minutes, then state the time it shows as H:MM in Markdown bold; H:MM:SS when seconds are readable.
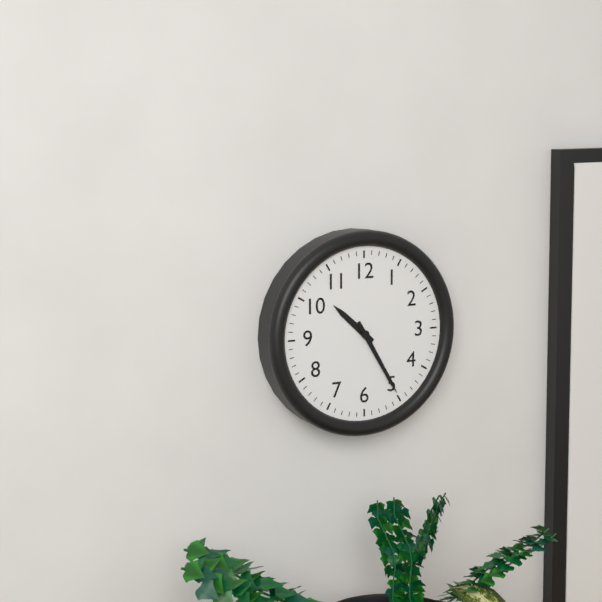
**10:25**
